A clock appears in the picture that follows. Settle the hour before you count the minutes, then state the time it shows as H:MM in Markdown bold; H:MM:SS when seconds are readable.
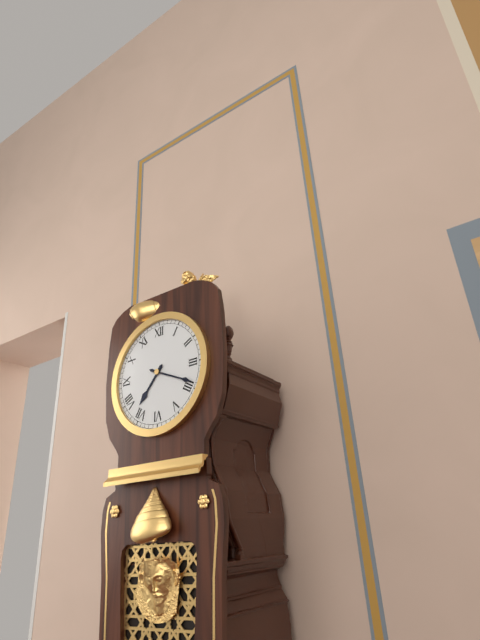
**7:19**
